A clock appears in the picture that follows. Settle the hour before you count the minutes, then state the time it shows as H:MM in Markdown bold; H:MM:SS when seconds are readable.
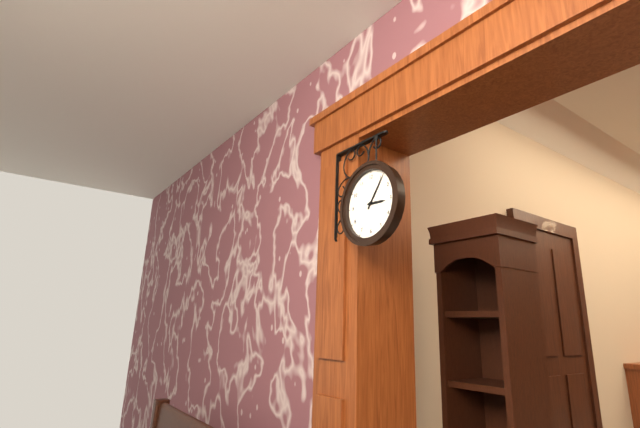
**3:06**
